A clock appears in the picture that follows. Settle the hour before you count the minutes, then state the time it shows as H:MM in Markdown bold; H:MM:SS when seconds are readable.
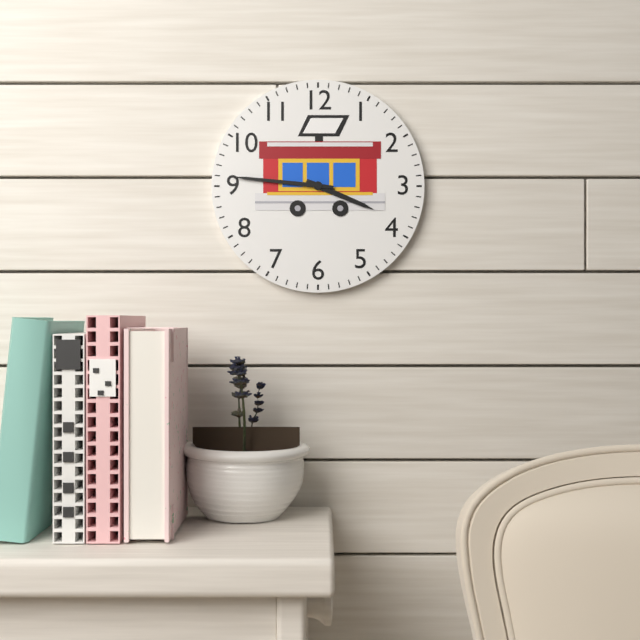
**3:46**
